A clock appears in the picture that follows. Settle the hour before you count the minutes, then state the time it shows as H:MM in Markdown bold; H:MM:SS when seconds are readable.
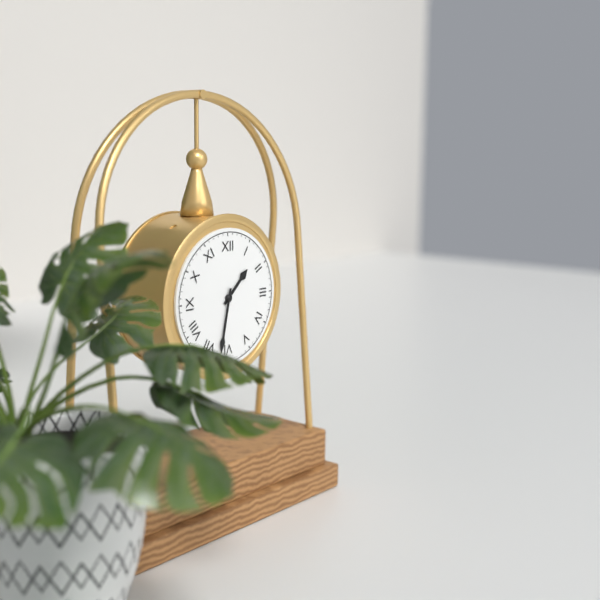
**1:32**
